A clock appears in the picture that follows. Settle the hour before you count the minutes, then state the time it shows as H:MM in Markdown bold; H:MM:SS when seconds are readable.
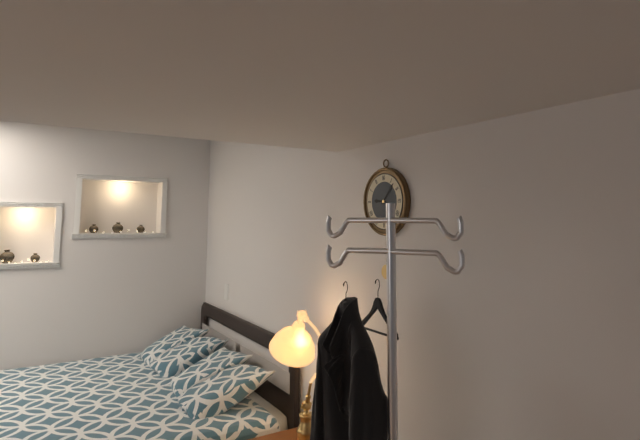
**9:07**
